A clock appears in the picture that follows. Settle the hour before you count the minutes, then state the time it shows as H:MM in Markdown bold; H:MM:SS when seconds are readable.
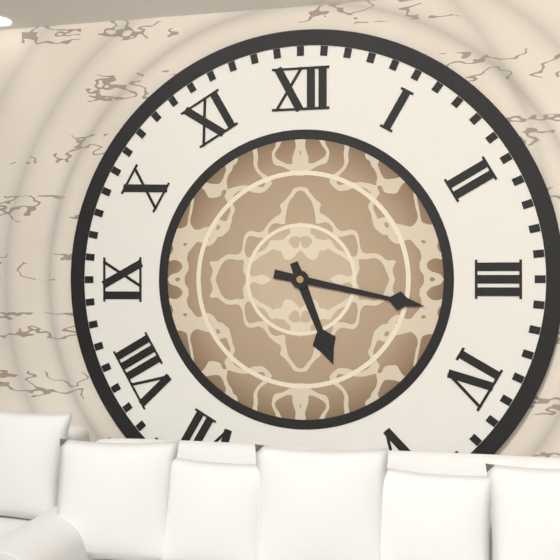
**5:17**
